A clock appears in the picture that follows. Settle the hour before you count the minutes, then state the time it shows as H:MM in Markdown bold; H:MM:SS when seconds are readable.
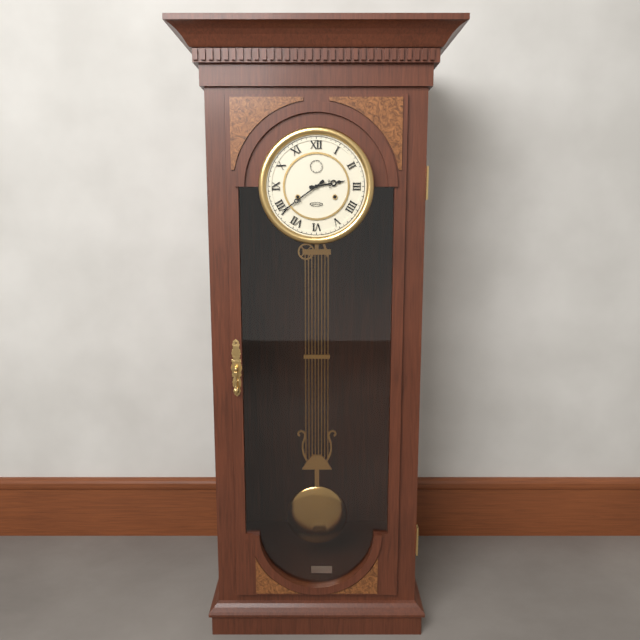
**2:39**
